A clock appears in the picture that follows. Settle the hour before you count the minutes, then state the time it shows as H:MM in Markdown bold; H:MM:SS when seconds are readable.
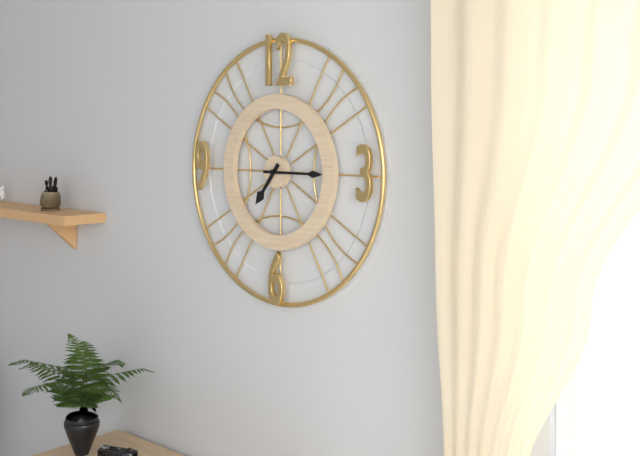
**7:15**
